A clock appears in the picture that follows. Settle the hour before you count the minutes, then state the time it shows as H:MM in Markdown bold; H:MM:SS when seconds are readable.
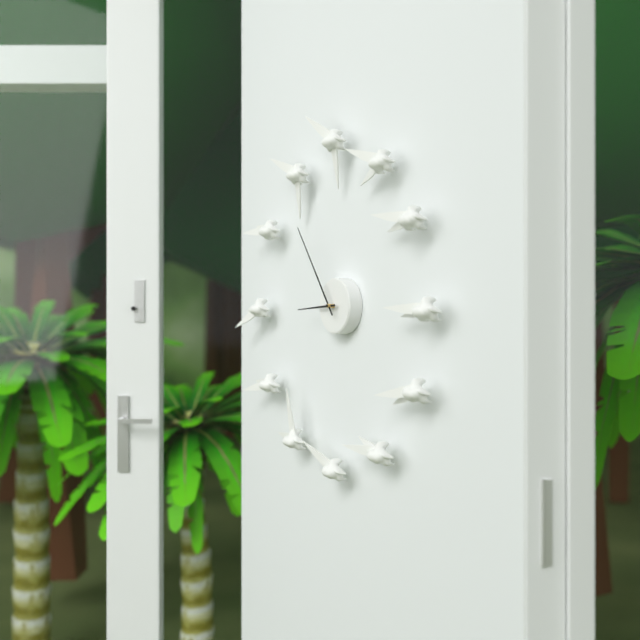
**8:54**
